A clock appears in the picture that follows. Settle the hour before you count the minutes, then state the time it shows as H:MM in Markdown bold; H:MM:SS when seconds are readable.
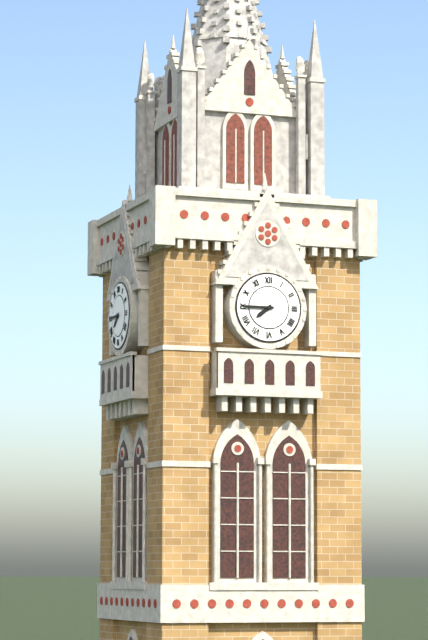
**7:45**
